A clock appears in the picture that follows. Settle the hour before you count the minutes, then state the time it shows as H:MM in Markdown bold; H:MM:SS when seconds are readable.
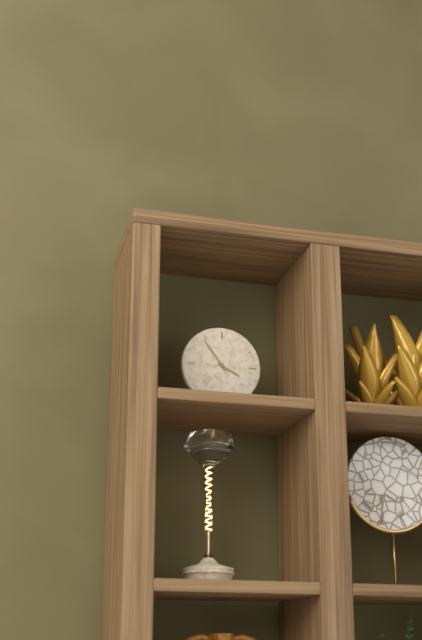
**3:54**
